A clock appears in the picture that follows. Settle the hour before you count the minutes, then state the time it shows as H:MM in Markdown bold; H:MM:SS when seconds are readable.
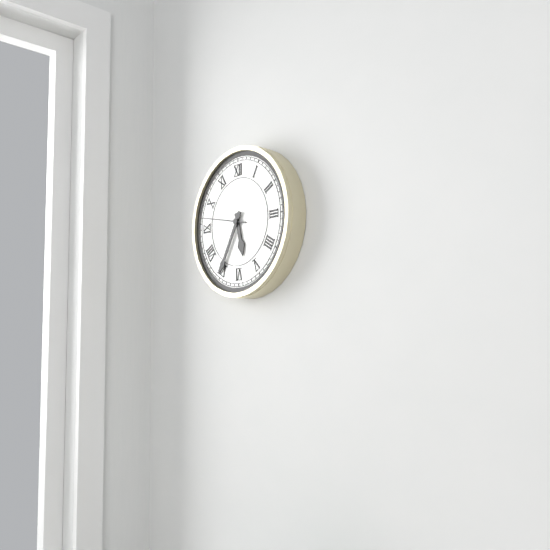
**5:35**
